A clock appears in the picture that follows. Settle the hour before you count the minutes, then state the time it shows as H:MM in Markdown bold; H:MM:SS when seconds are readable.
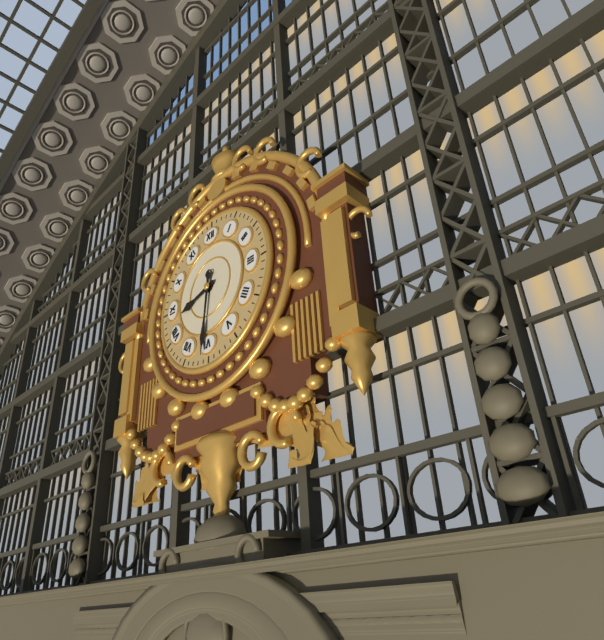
**8:31**
